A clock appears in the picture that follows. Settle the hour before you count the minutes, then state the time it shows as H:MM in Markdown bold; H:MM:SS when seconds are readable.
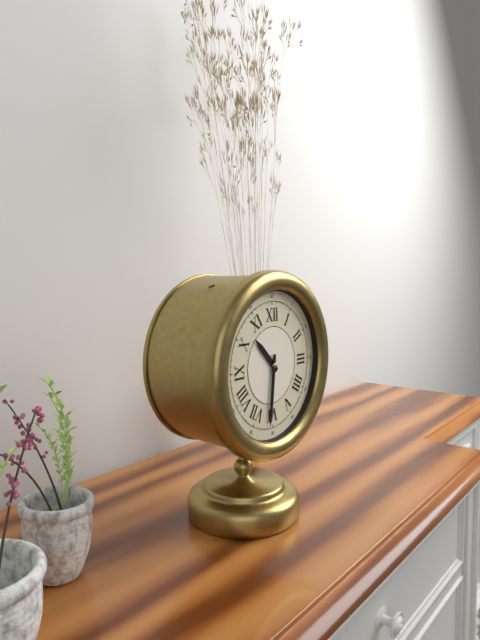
**10:31**
